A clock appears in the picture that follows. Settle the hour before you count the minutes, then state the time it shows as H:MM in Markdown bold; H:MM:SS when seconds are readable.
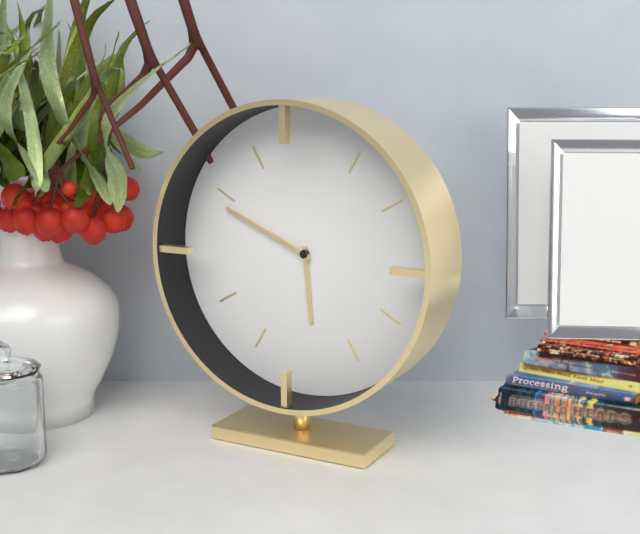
**5:49**
